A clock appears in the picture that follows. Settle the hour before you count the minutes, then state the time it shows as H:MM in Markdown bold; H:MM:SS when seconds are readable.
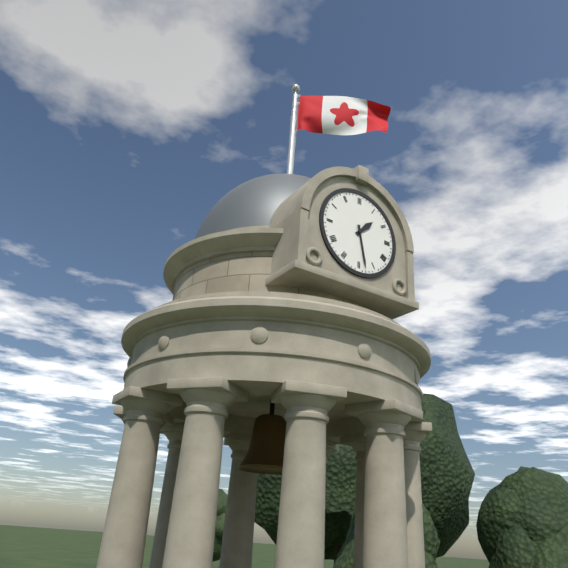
**1:28**
